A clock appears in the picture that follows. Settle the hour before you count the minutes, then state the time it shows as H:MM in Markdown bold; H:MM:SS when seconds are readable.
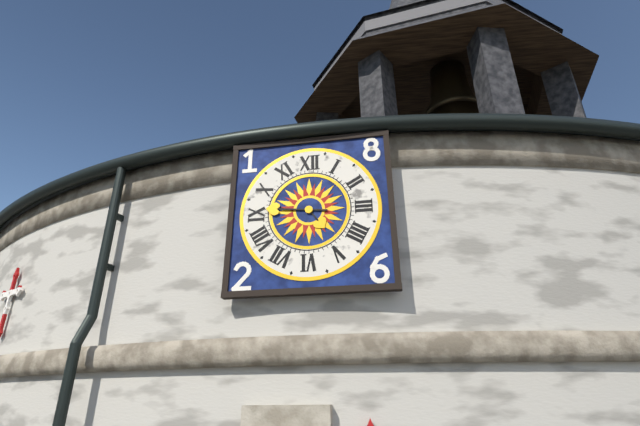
**4:46**
